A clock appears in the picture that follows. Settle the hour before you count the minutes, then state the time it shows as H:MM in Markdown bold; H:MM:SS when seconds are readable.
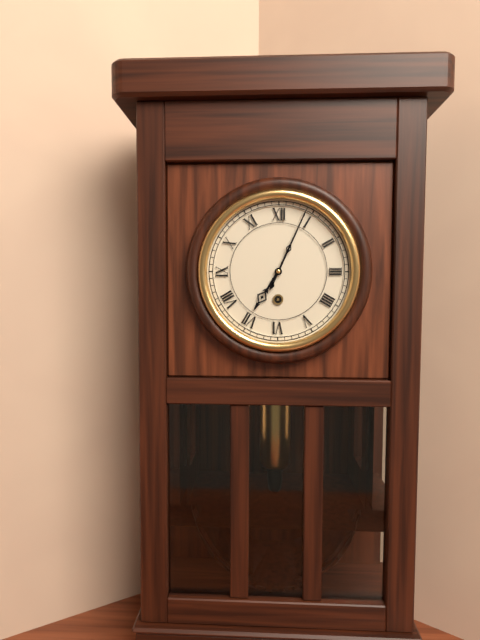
**7:04**
